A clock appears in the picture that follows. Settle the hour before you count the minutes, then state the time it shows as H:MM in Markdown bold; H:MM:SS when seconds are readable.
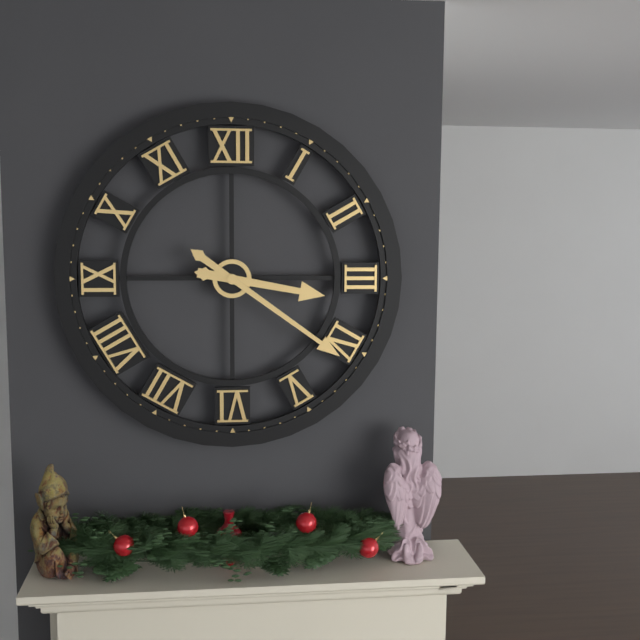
**3:21**
